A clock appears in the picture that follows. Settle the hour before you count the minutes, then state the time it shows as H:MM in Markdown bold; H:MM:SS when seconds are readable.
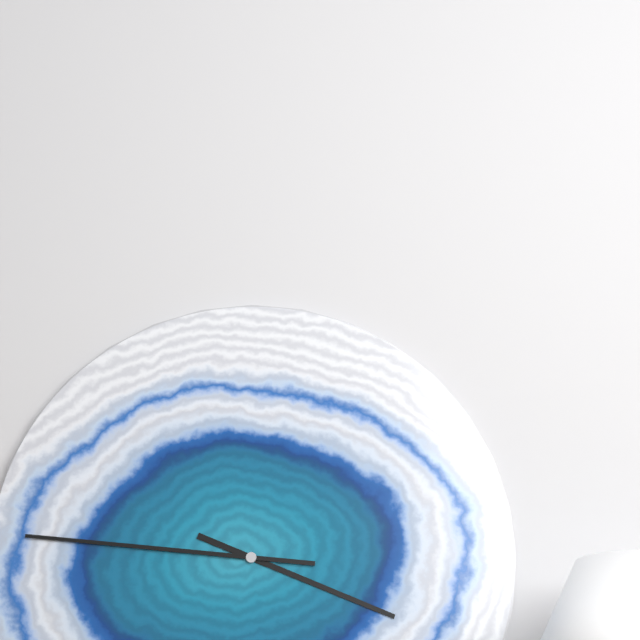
**3:46**
